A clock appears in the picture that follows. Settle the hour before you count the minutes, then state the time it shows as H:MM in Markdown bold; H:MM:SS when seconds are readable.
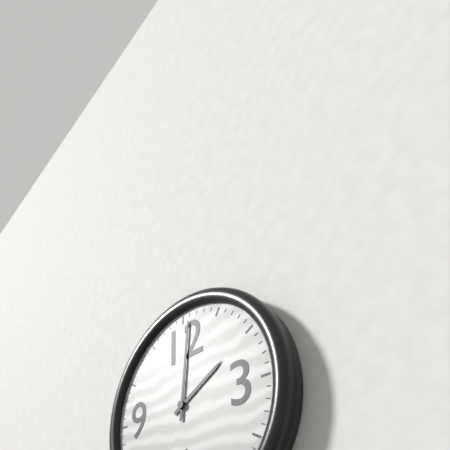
**2:01**
